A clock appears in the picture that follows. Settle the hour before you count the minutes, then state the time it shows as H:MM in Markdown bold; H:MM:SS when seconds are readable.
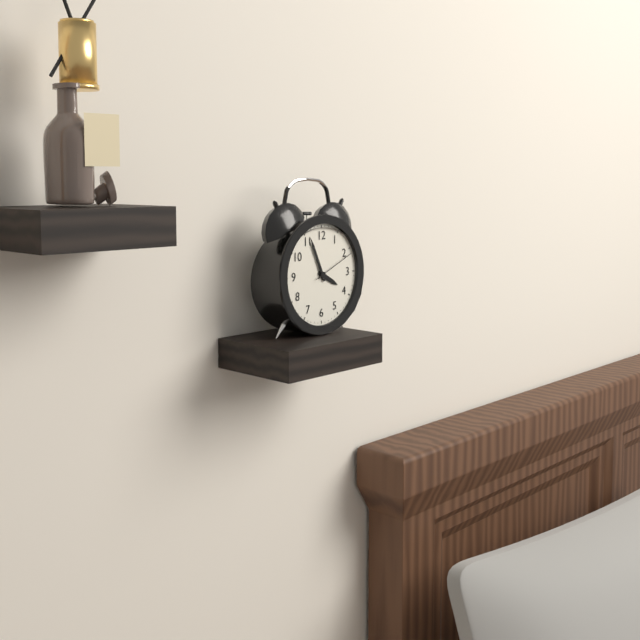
**3:56**
